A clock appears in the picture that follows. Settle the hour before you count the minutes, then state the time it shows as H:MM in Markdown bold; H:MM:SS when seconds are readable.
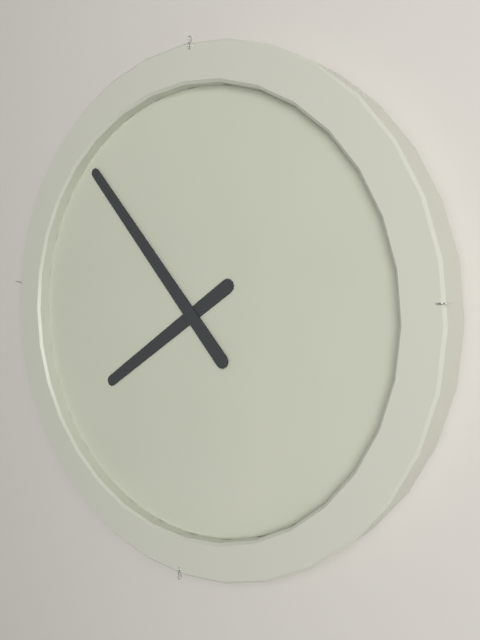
**7:53**
